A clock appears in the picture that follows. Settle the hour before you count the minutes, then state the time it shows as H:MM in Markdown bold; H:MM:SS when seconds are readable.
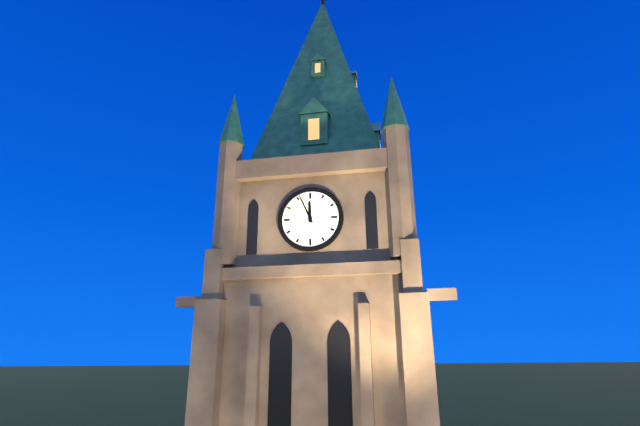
**11:56**
